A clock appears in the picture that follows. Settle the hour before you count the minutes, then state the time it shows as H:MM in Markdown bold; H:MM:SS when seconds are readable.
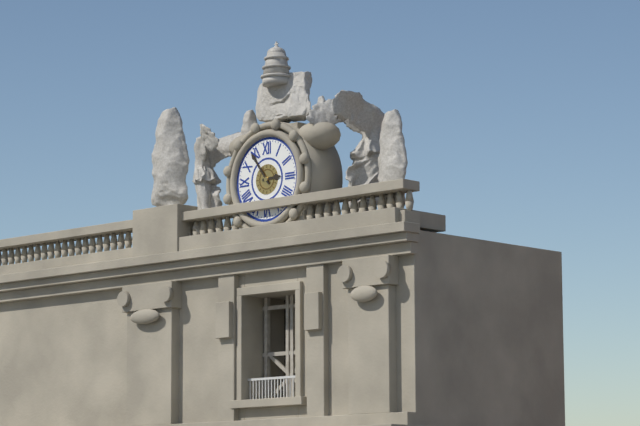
**2:54**
